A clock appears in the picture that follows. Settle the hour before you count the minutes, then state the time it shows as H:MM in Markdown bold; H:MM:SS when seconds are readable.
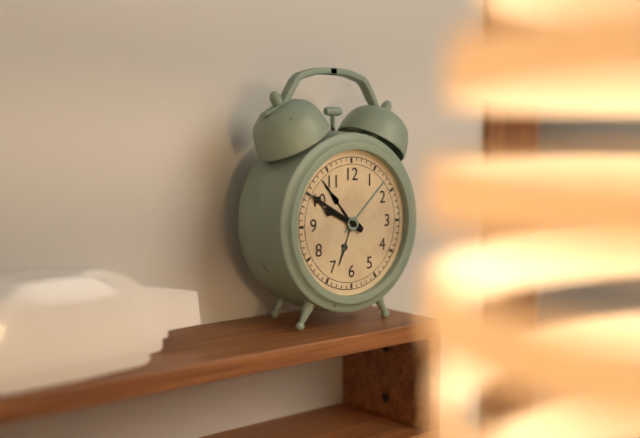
**9:50**
